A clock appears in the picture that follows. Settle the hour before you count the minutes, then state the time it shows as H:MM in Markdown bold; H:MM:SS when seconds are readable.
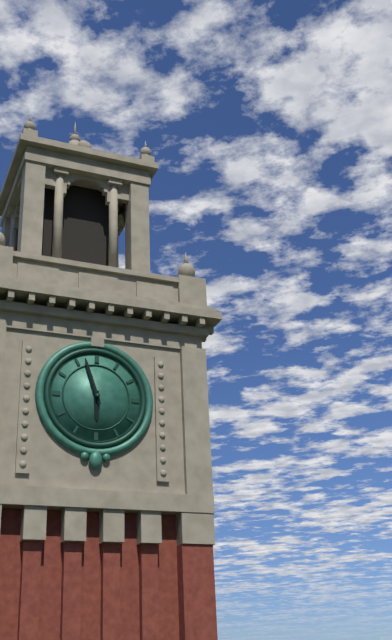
**5:57**
